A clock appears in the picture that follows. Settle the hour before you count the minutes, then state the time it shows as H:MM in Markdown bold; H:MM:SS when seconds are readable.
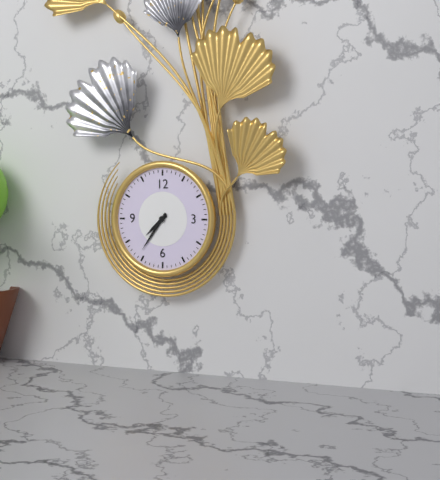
**7:36**
